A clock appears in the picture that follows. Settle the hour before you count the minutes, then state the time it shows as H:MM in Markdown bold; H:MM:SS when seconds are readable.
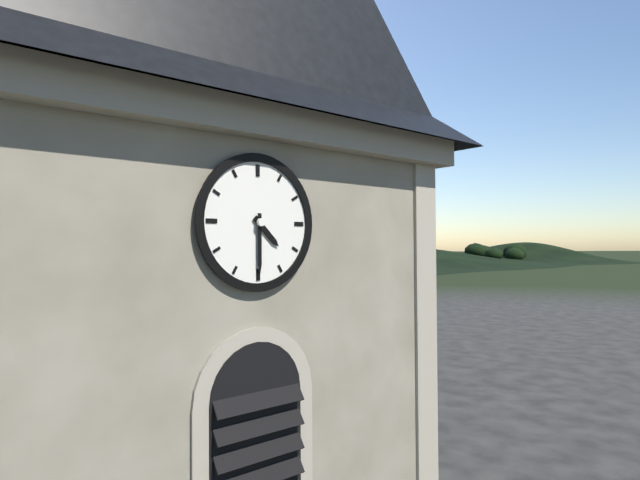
**4:30**
